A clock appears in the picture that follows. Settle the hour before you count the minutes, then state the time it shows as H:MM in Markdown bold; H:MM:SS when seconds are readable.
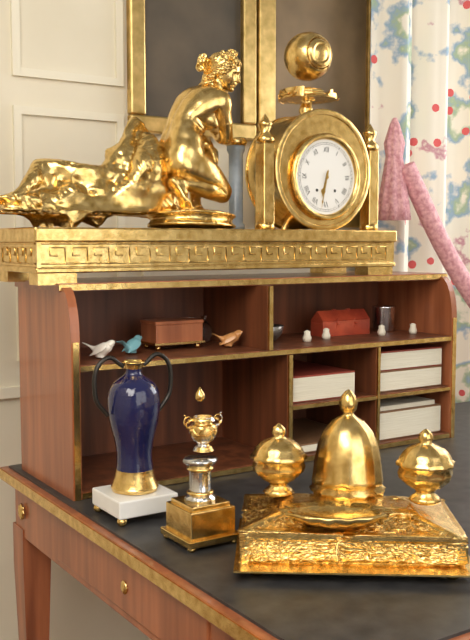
**6:32**
